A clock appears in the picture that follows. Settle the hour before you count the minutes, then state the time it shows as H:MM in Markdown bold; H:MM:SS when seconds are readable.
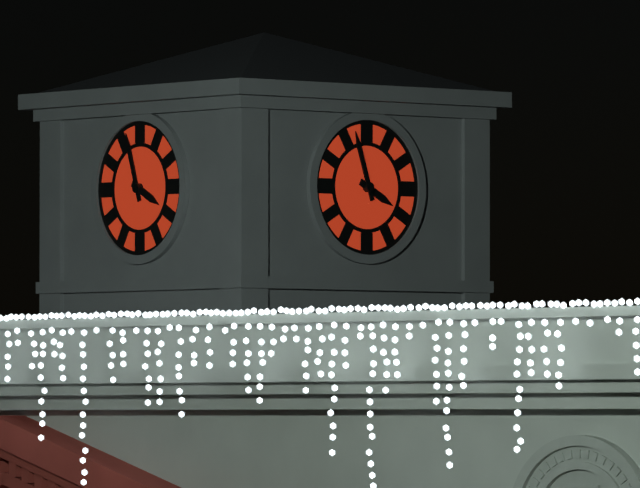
**3:57**
